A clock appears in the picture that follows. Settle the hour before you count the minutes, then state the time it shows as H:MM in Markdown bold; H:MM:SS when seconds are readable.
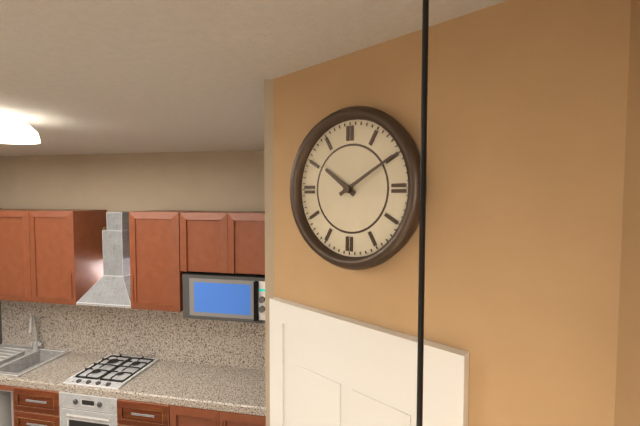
**10:10**
